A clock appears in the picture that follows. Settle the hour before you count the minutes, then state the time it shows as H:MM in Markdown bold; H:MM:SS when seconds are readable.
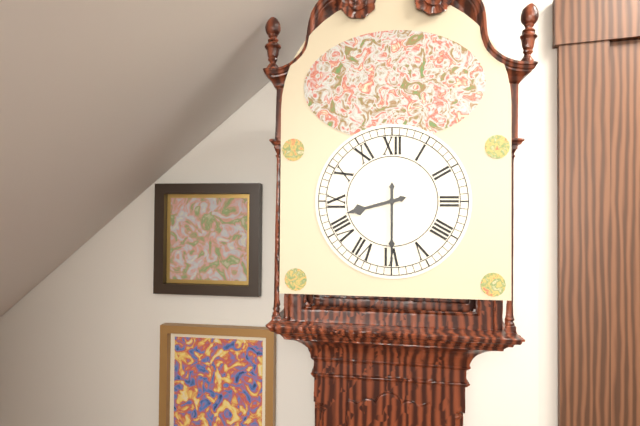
**8:30**
